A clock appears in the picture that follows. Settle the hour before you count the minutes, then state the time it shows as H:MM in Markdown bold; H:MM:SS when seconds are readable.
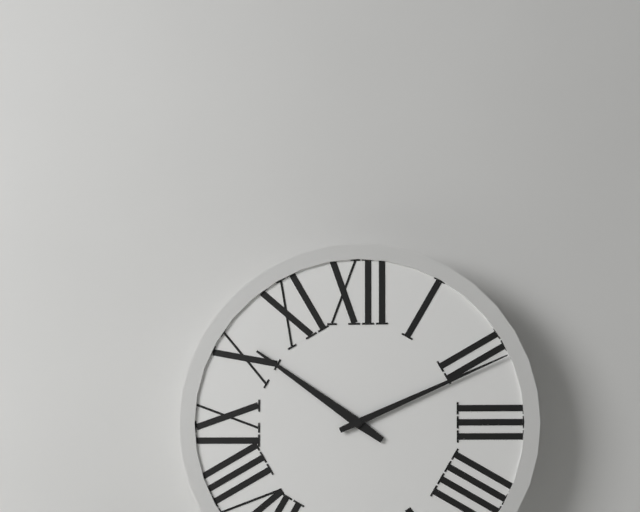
**10:11**
